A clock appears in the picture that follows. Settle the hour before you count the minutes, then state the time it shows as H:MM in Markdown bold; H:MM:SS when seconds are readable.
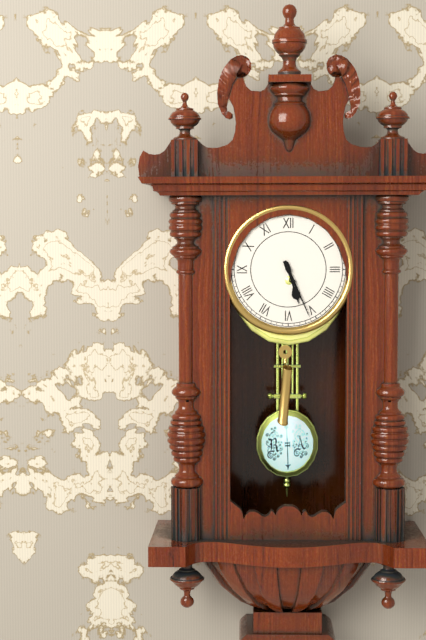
**5:26**
